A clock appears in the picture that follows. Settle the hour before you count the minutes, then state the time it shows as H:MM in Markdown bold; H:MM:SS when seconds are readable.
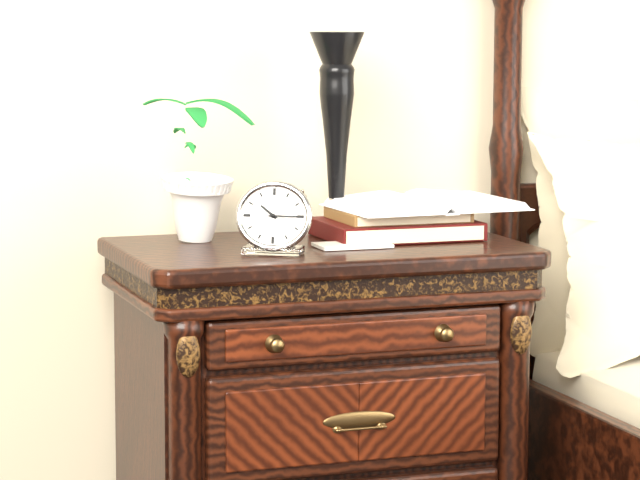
**10:15**
